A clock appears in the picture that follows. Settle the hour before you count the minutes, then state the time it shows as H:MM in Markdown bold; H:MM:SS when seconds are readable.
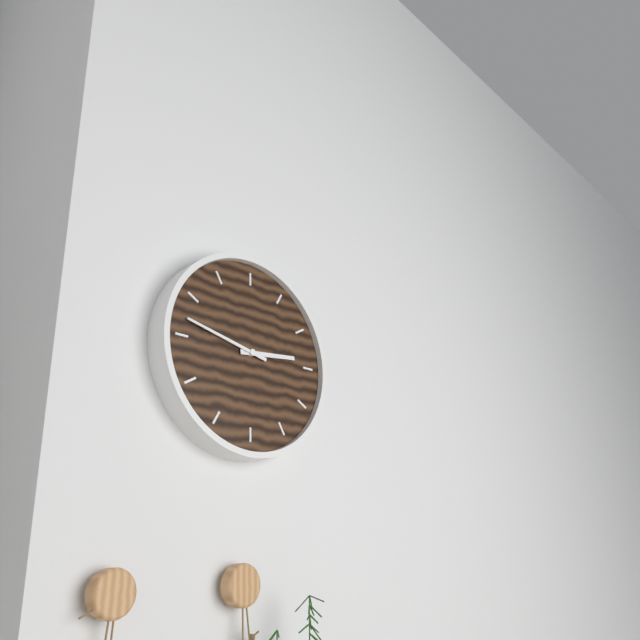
**2:47**
